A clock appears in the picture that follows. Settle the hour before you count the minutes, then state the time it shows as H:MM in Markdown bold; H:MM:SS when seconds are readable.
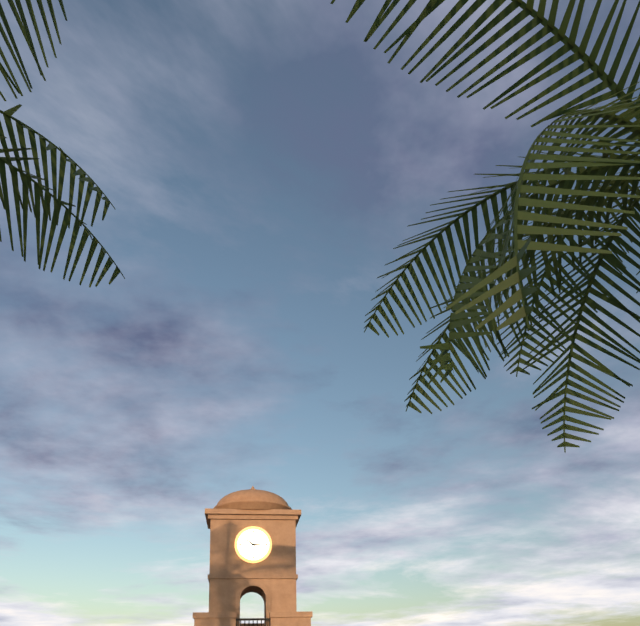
**2:51**
